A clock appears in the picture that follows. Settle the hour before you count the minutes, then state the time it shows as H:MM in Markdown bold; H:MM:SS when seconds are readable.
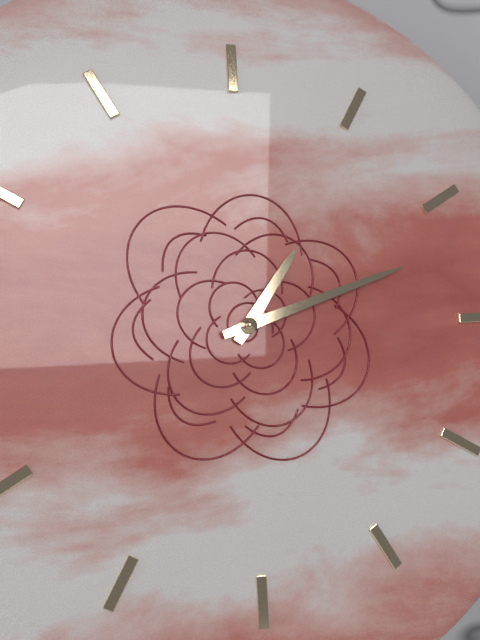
**1:12**
